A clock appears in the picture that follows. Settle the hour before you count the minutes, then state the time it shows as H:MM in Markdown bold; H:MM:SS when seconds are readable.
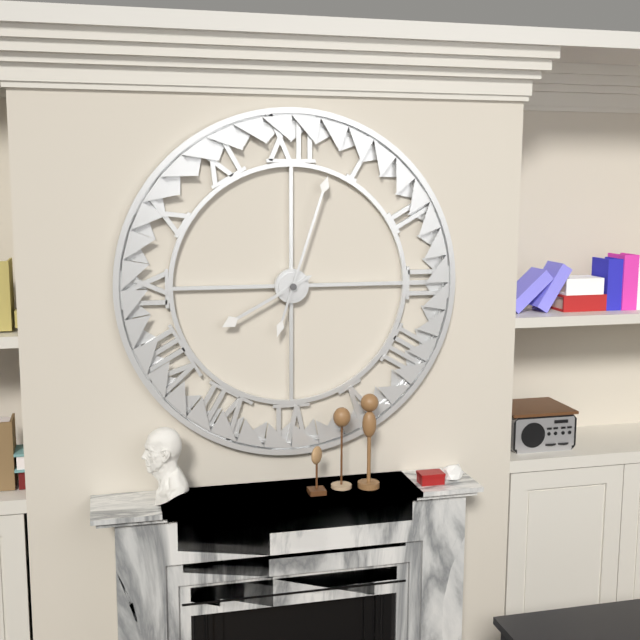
**8:03**
